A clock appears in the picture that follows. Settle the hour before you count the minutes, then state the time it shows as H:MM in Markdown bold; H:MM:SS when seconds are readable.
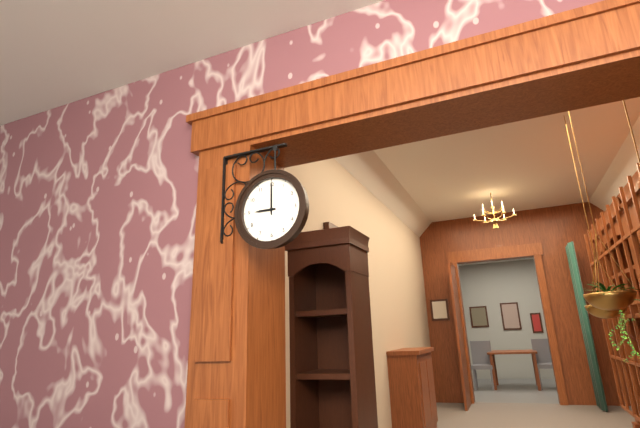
**9:00**
